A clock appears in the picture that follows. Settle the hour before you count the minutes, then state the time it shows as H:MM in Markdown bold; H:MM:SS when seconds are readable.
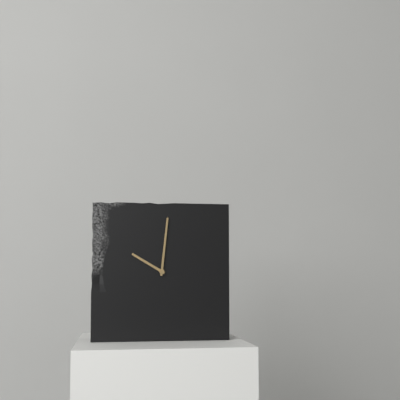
**10:01**
